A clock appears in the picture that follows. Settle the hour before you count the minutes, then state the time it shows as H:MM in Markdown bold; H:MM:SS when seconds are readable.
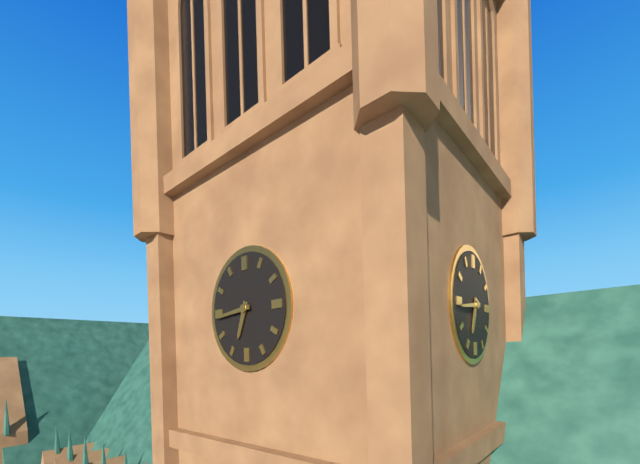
**6:44**
